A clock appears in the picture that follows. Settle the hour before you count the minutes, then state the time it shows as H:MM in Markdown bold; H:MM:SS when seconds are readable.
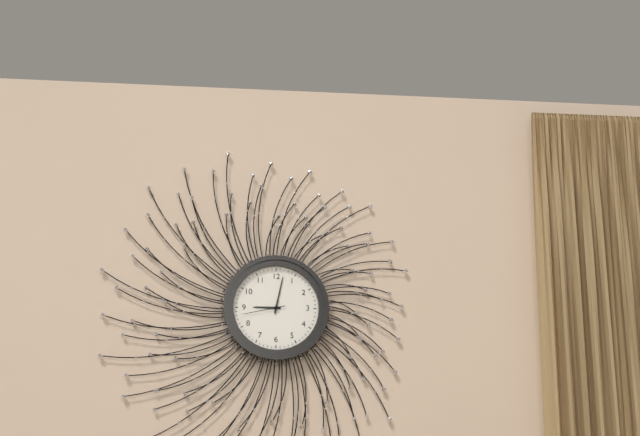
**9:02**
